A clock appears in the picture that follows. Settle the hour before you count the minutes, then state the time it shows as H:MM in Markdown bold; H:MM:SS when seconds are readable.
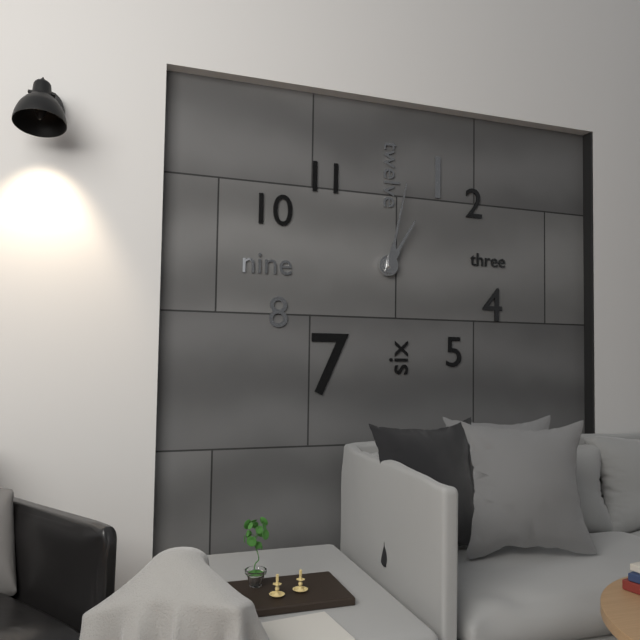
**1:02**
